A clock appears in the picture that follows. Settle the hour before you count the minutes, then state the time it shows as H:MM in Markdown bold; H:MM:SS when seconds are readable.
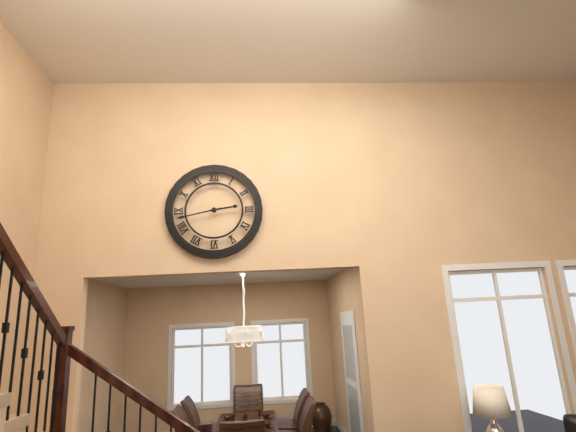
**2:43**
